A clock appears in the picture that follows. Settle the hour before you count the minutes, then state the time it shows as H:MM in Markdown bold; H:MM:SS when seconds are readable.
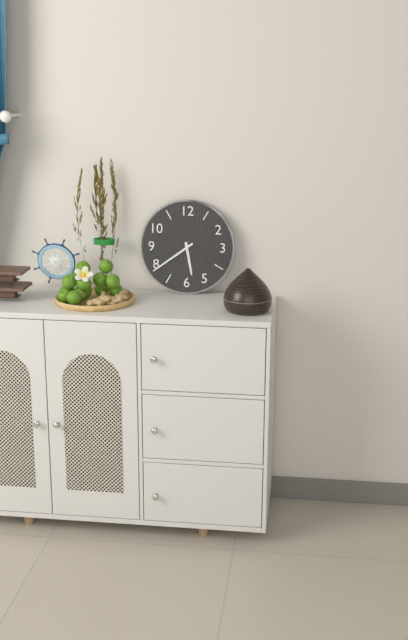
**5:39**
